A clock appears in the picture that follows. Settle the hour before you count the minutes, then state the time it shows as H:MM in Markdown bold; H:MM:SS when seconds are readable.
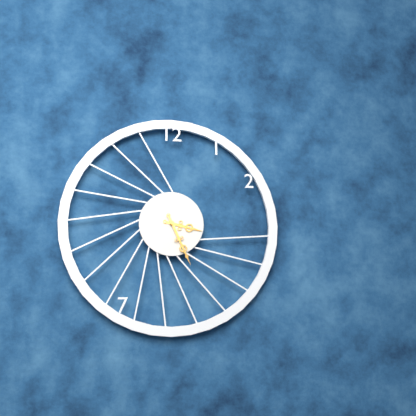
**3:26**
